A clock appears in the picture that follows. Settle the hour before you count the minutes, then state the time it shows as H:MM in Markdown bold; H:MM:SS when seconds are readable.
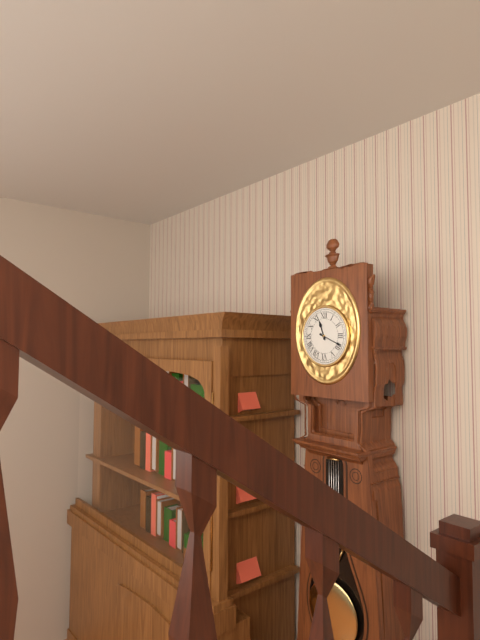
**11:19**
